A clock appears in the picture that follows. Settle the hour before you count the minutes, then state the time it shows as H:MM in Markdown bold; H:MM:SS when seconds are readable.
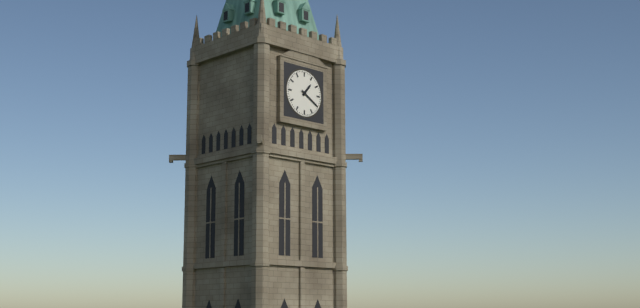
**1:20**
